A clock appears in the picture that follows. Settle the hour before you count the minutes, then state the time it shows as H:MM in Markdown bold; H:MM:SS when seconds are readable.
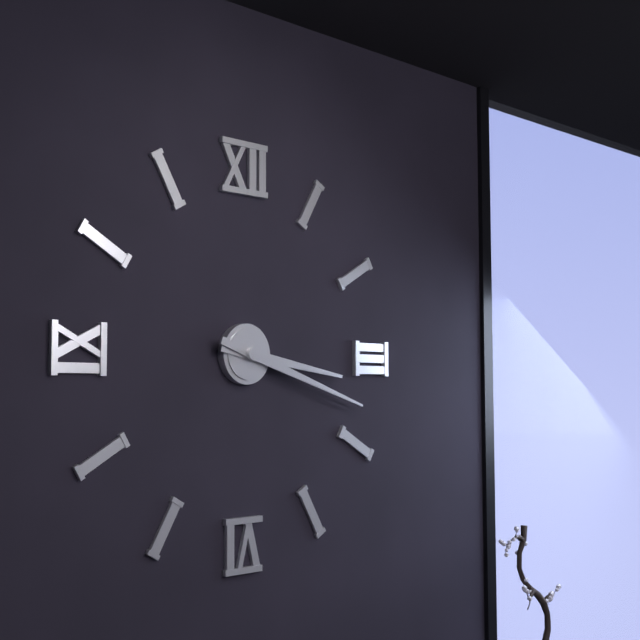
**3:18**
